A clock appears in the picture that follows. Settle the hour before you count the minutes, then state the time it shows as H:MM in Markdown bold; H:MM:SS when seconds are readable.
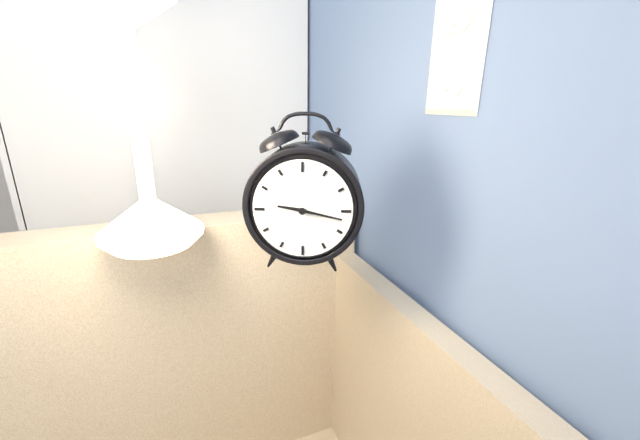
**9:17**
